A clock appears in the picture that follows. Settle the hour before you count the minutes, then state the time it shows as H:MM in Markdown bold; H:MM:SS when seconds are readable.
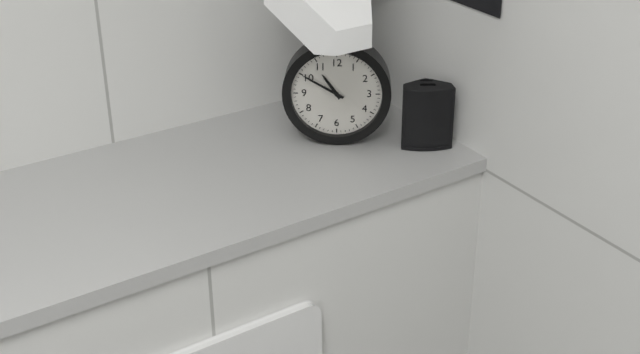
**10:50**
